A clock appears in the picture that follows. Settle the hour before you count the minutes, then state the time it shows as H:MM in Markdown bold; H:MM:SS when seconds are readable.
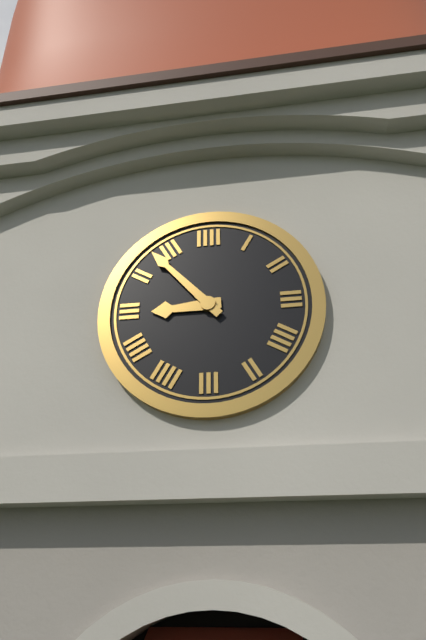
**8:53**
